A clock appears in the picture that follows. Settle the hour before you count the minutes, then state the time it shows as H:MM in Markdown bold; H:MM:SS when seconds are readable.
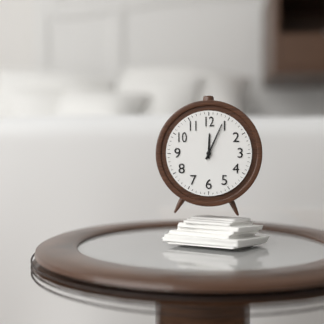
**12:04**
